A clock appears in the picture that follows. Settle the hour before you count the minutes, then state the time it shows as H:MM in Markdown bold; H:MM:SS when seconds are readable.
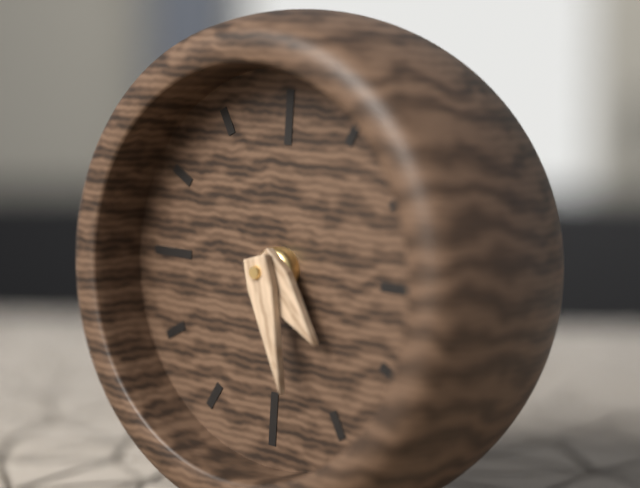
**4:27**
